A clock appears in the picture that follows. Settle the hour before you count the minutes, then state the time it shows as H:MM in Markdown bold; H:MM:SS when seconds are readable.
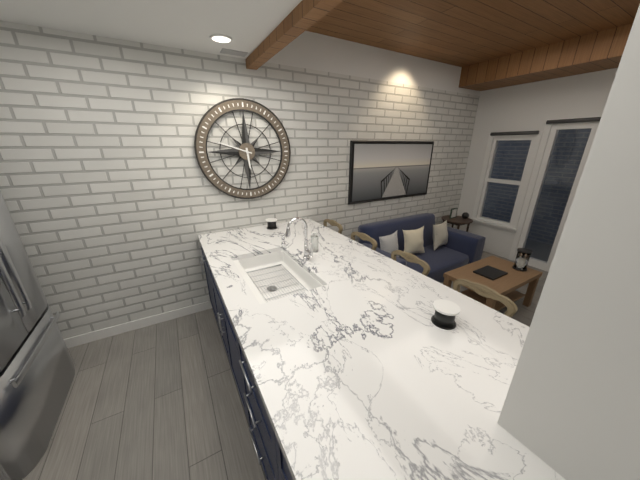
**5:48**
